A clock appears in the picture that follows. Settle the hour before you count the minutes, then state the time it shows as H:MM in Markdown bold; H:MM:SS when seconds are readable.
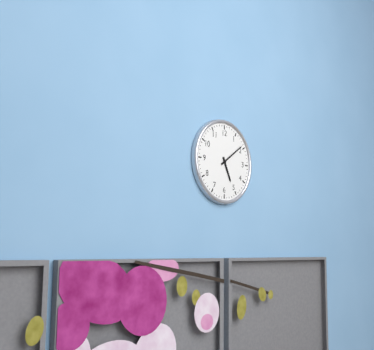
**5:09**
